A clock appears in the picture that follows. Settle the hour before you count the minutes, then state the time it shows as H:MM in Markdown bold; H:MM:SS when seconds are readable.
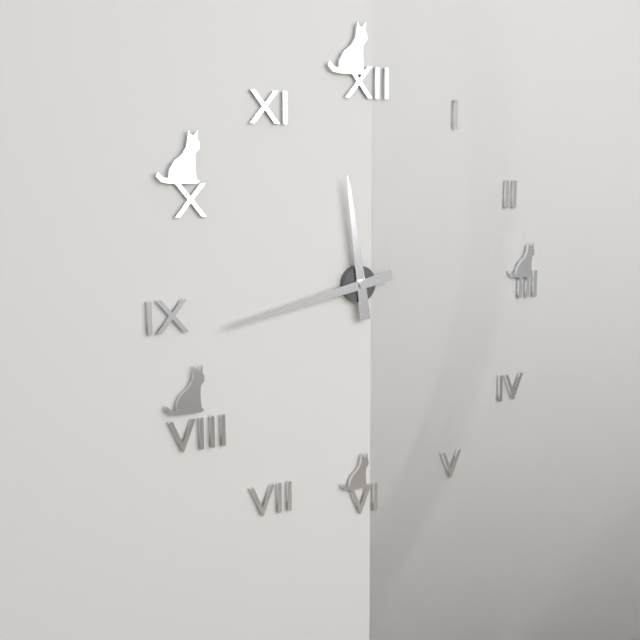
**11:43**
